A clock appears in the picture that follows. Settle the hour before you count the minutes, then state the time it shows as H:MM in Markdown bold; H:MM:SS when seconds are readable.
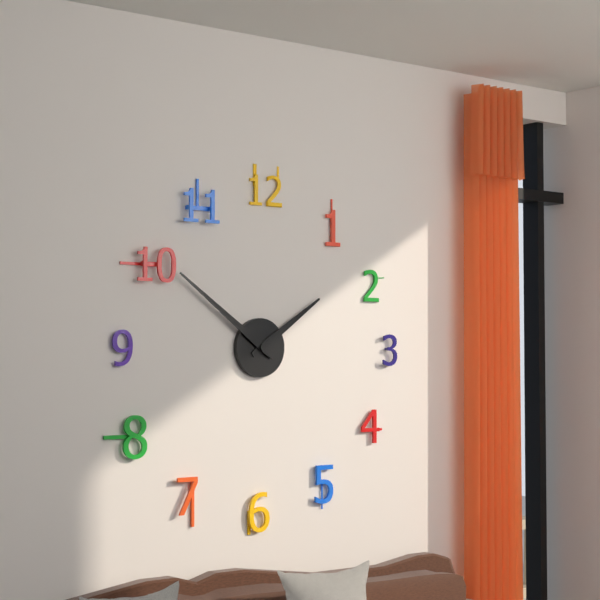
**1:51**
